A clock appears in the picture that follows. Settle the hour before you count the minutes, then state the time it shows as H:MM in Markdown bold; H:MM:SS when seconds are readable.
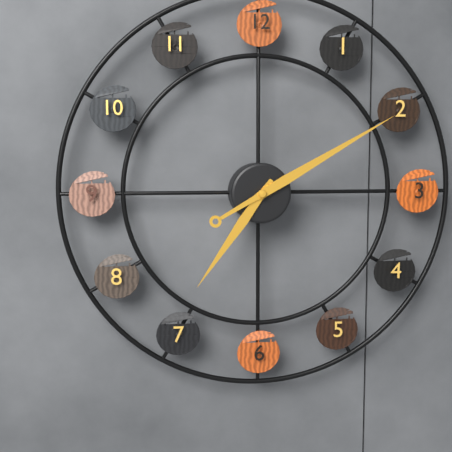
**7:10**
